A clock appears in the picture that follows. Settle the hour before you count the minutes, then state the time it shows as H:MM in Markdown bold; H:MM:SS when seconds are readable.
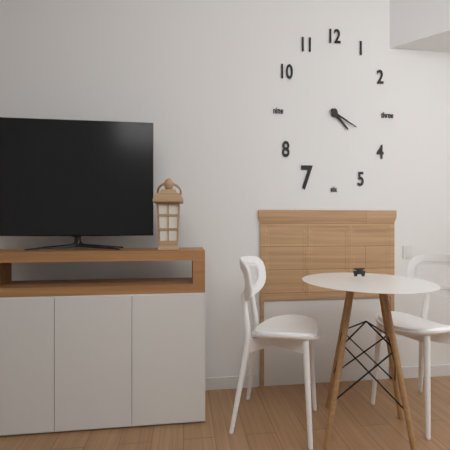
**4:19**
